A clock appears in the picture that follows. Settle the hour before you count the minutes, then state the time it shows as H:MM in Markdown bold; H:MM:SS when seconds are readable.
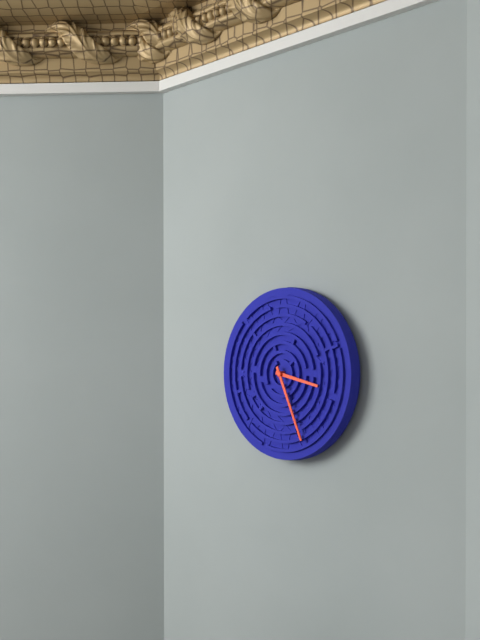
**3:26**
